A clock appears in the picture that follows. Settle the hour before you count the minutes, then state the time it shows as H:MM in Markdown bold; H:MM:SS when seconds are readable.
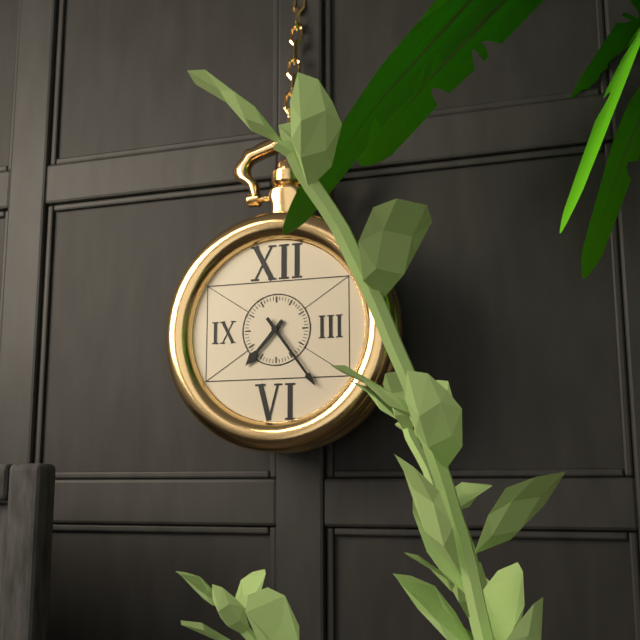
**7:24**
